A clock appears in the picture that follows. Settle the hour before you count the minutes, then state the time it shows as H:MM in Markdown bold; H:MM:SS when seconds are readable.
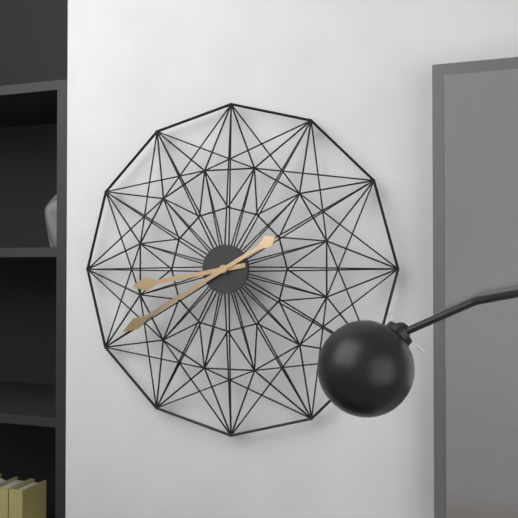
**8:40**
